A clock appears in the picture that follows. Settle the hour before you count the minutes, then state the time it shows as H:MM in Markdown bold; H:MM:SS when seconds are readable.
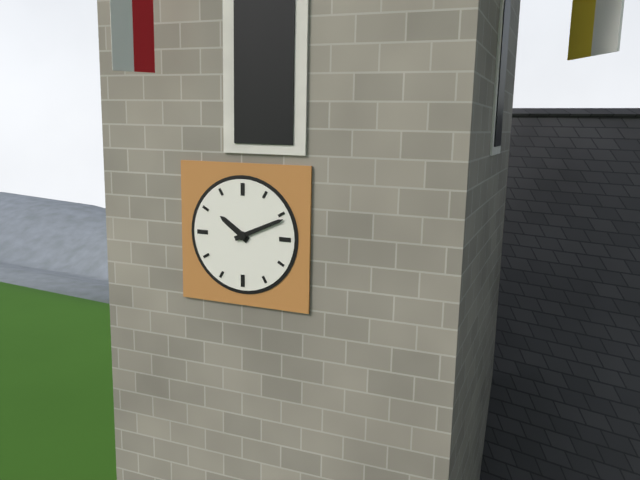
**10:11**
